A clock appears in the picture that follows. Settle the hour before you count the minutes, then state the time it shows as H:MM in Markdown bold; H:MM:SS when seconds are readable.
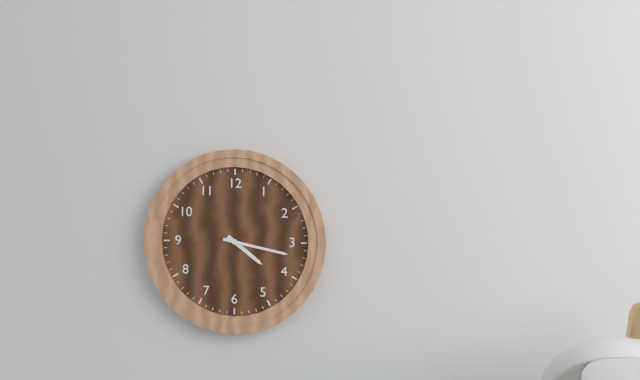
**4:17**
